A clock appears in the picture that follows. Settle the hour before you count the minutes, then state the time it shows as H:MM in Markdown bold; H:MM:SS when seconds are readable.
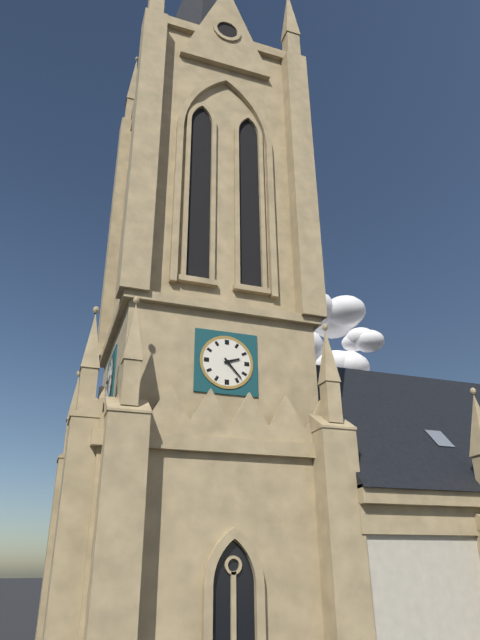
**2:23**
